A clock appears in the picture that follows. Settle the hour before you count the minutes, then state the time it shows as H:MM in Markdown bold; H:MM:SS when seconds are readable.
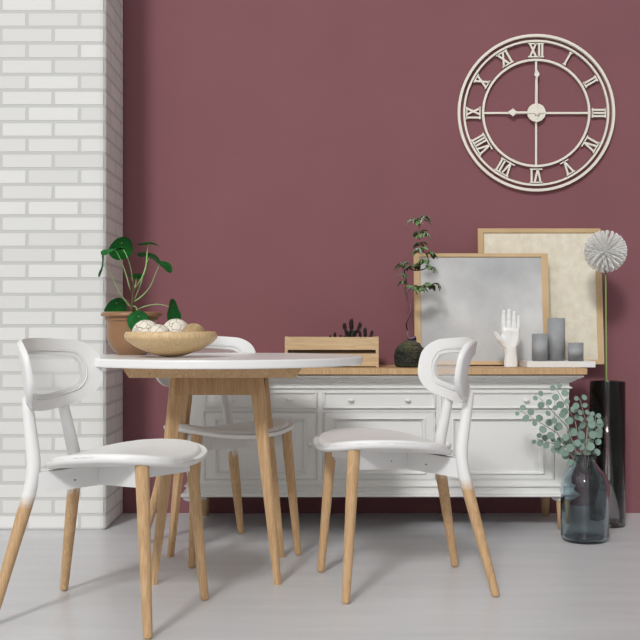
**9:00**
